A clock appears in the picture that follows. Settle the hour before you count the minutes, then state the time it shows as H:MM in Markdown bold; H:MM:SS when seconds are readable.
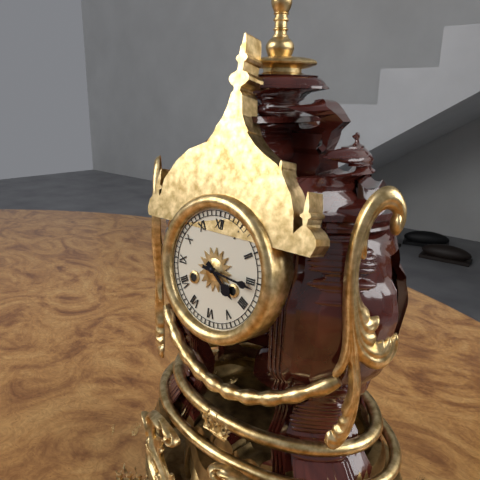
**4:16**
